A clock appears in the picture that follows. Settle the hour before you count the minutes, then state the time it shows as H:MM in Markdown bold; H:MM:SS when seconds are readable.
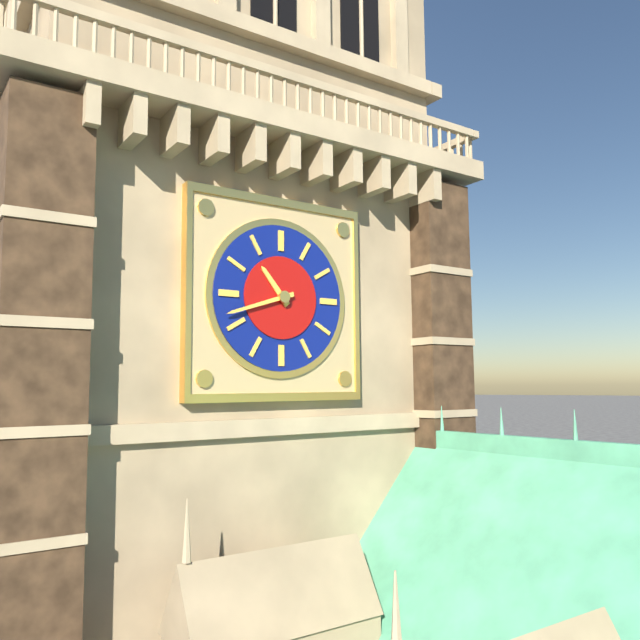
**10:42**
